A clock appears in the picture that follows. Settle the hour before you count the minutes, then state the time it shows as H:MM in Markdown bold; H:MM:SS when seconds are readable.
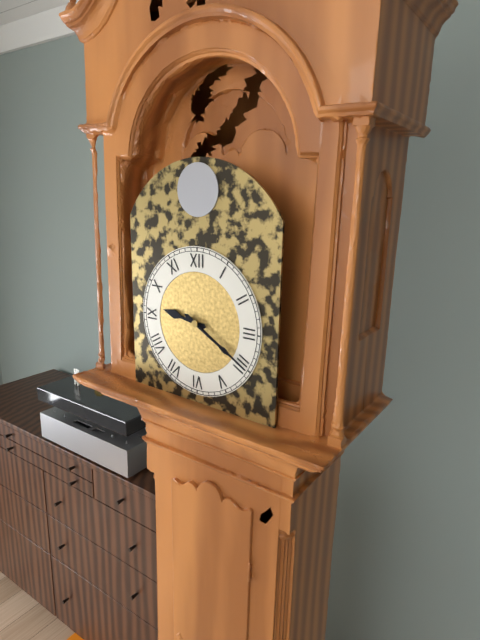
**9:20**
